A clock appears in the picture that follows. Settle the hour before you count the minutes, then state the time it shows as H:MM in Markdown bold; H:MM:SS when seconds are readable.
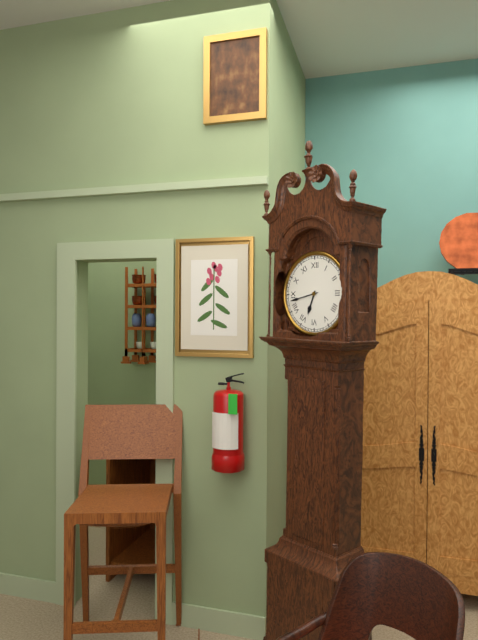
**6:43**
